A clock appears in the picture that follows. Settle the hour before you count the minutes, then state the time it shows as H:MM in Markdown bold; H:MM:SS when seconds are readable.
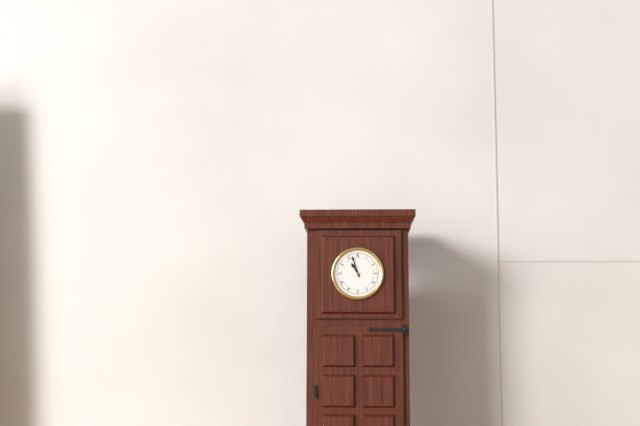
**10:57**
